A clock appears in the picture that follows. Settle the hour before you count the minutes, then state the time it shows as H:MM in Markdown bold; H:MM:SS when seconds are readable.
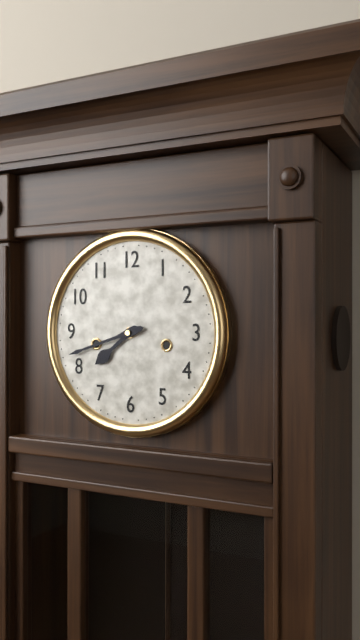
**7:42**
